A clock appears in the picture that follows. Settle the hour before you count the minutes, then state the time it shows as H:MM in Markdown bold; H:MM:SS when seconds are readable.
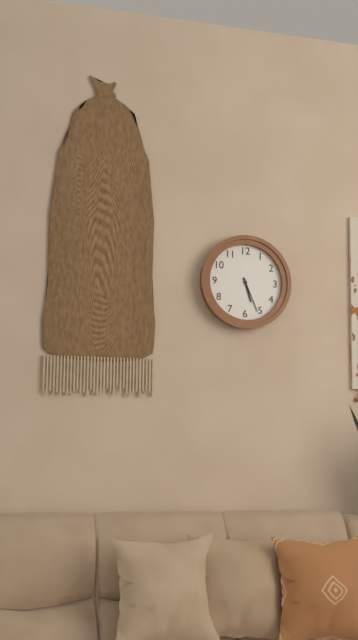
**5:26**
